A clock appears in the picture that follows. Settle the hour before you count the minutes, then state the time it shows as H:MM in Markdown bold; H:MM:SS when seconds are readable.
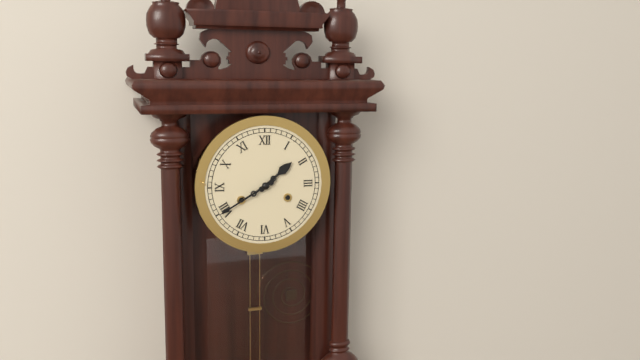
**1:40**
